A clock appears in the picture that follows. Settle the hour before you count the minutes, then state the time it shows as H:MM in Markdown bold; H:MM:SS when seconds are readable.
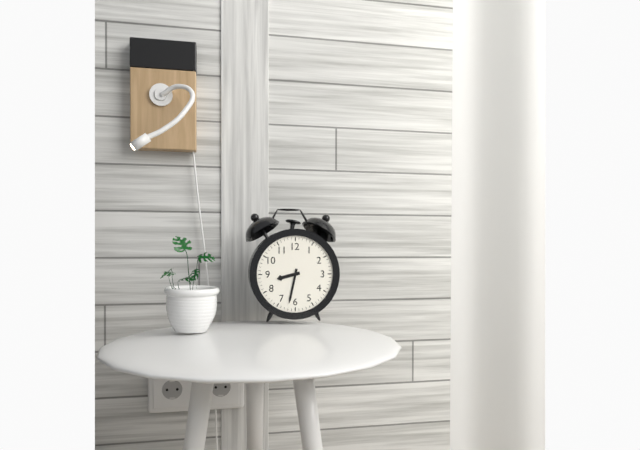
**8:32**
